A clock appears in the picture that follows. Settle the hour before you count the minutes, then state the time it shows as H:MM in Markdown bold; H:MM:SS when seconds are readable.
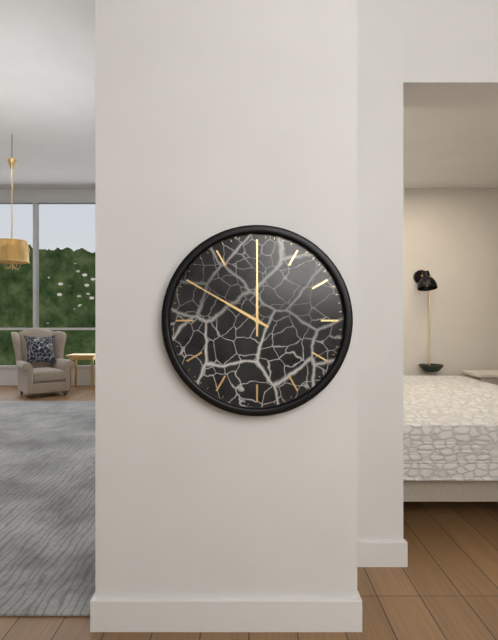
**10:00**
